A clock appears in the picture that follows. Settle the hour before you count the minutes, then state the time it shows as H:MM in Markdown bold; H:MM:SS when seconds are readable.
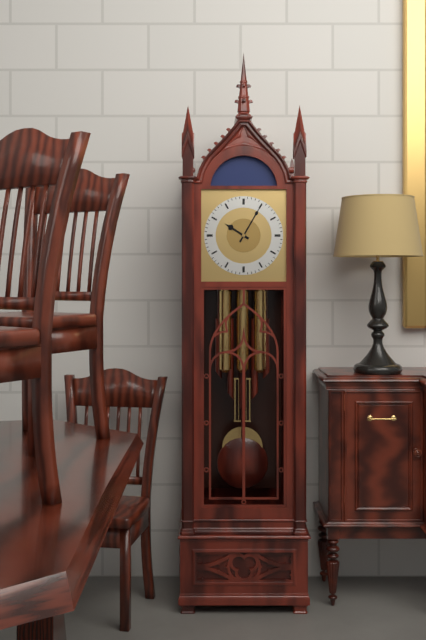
**10:05**
